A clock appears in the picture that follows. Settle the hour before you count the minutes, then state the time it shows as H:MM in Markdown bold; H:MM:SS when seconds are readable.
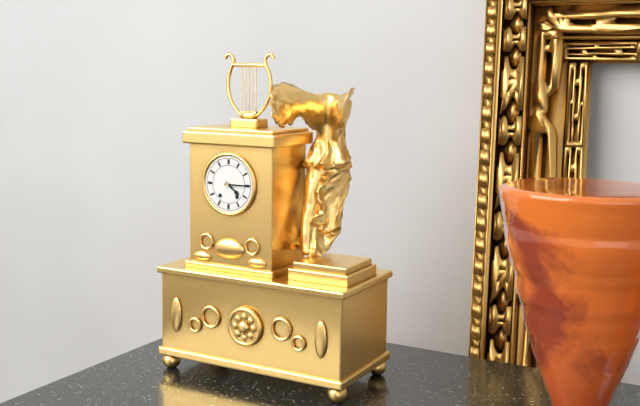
**4:15**
